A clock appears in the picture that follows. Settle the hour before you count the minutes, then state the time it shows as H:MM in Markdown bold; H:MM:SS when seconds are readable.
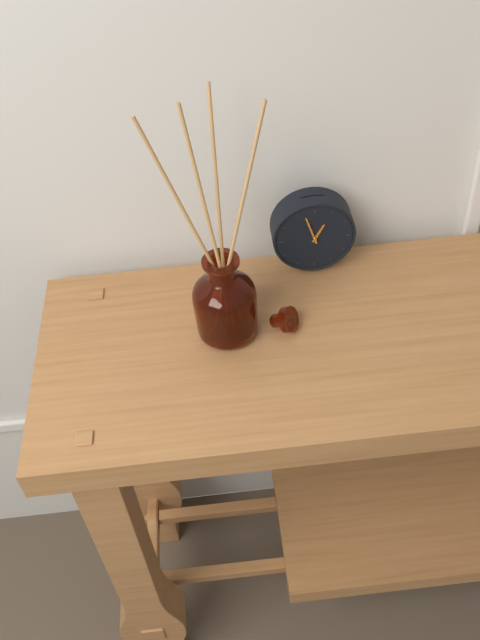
**12:57**
